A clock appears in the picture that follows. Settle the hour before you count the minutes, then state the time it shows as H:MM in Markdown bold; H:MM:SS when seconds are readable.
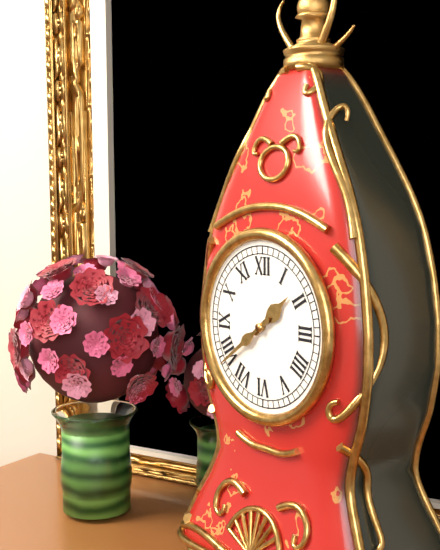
**1:39**
